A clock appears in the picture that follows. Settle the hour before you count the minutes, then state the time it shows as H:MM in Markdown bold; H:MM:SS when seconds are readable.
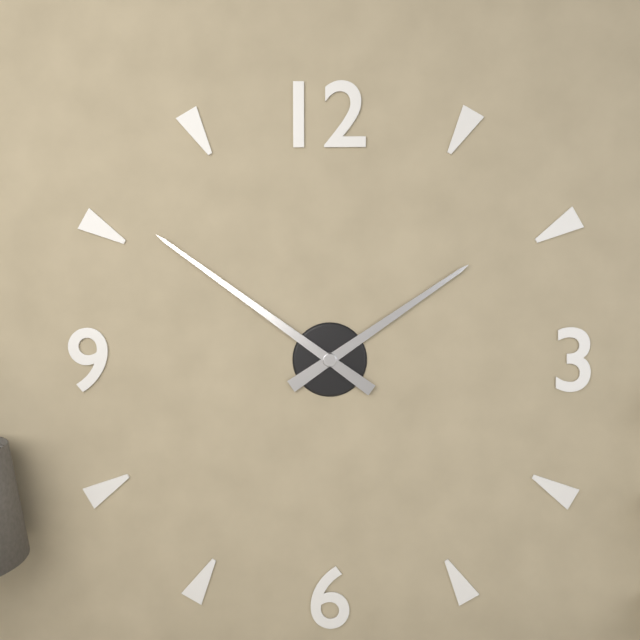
**1:51**
